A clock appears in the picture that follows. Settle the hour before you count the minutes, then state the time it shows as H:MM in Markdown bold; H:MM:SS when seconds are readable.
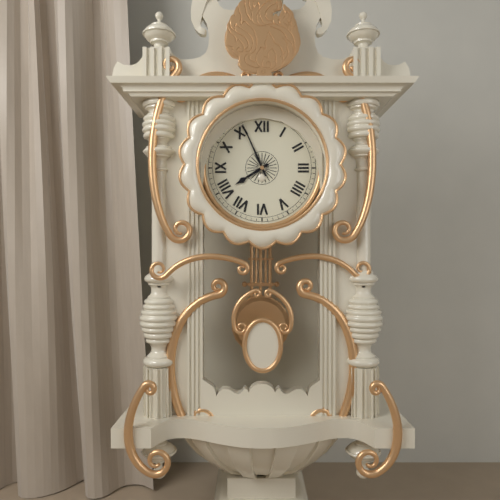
**7:56**
